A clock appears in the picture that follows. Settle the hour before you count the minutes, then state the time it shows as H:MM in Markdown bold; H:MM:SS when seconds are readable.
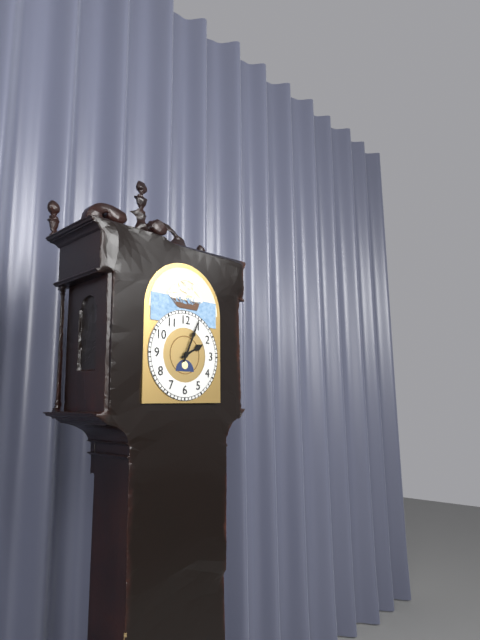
**2:04**
